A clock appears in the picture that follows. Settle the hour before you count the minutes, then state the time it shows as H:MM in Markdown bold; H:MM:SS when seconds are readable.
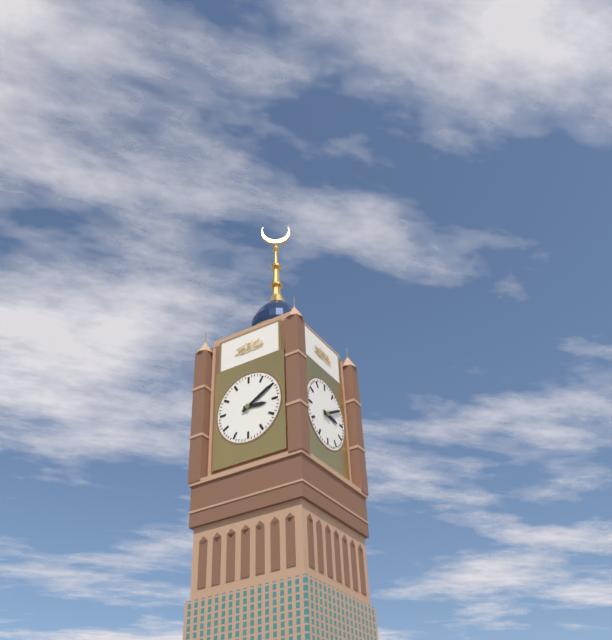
**3:10**
